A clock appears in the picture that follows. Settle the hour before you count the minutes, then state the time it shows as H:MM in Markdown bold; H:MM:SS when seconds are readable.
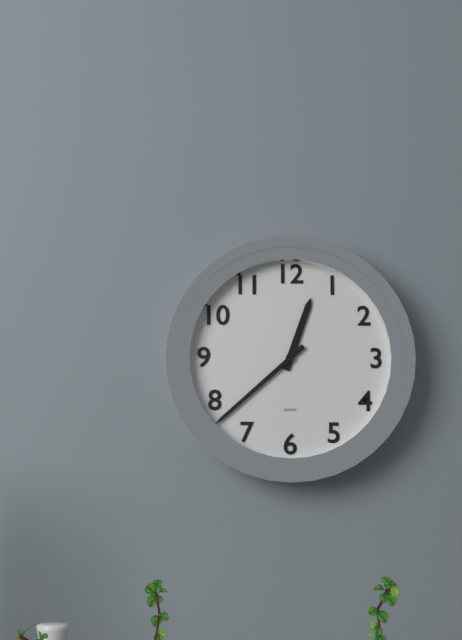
**12:38**
